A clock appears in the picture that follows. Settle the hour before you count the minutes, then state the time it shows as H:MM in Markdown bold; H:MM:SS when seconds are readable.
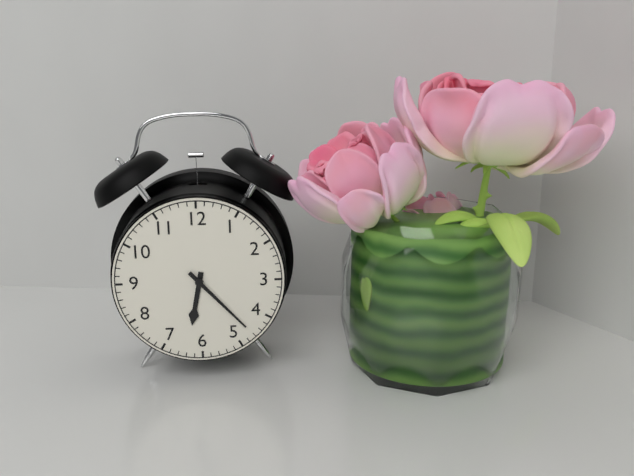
**6:23**
